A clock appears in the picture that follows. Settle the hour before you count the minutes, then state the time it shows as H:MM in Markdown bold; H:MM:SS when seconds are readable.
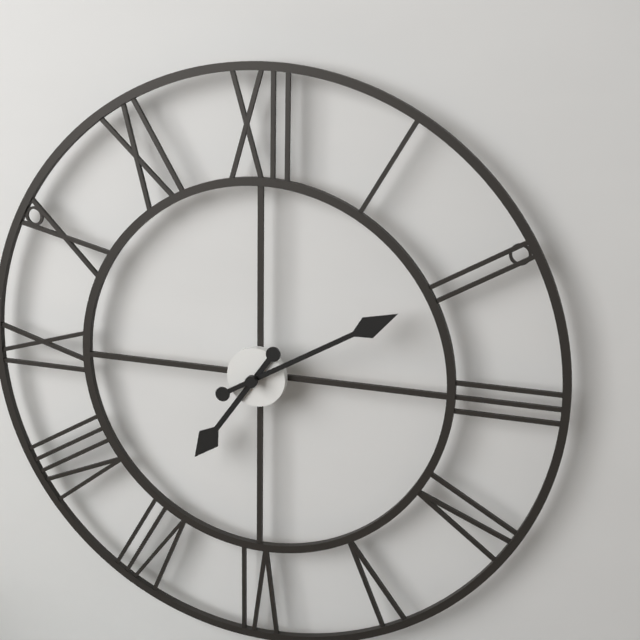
**7:10**
